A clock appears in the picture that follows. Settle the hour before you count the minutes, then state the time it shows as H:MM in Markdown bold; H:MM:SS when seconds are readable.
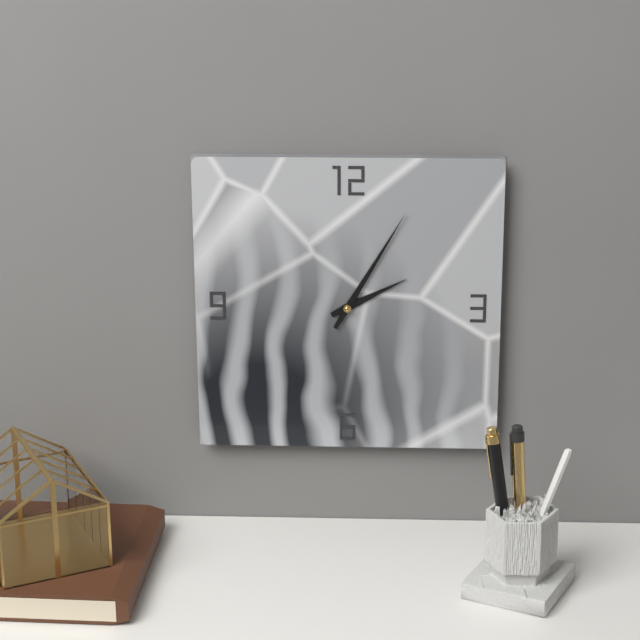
**2:05**
